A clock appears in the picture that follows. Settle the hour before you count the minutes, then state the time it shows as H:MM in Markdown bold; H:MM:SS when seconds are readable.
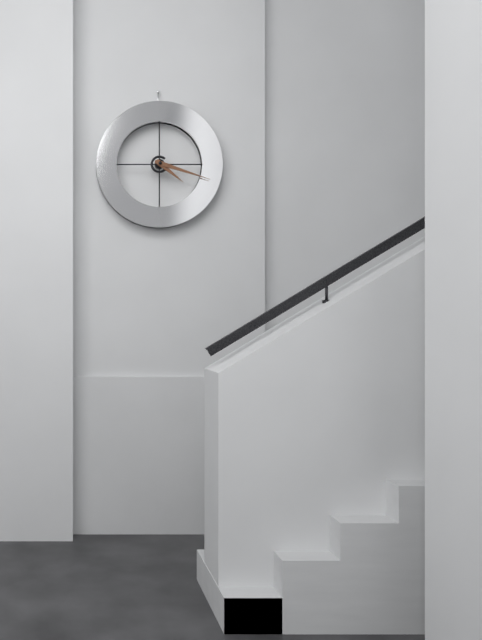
**4:18**
